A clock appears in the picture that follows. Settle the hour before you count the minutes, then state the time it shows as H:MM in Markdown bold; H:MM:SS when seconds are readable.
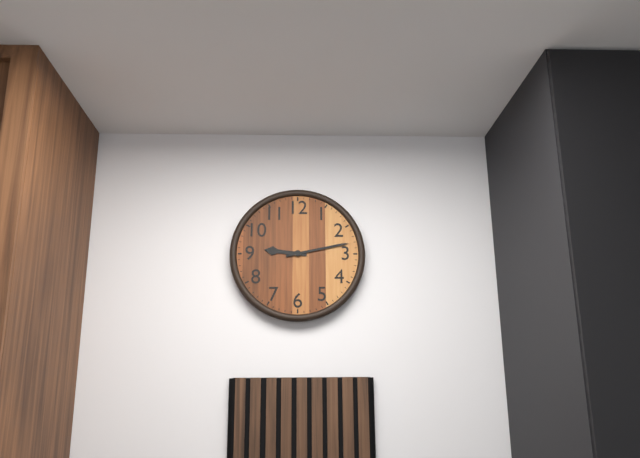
**9:13**
